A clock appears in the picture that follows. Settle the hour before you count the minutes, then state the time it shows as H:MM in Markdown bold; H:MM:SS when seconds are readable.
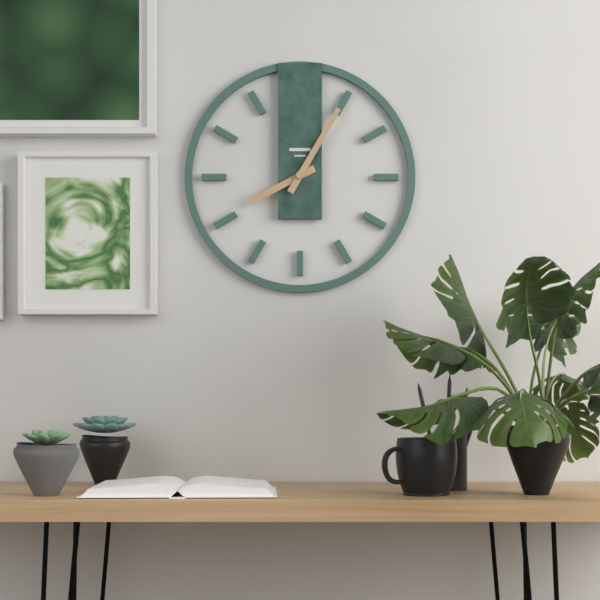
**8:05**
